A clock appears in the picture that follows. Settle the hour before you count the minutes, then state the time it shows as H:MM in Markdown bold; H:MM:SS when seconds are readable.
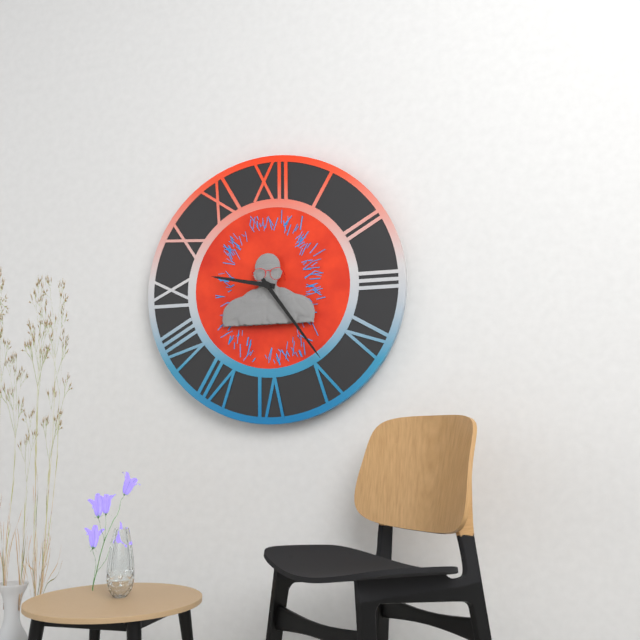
**9:24**
